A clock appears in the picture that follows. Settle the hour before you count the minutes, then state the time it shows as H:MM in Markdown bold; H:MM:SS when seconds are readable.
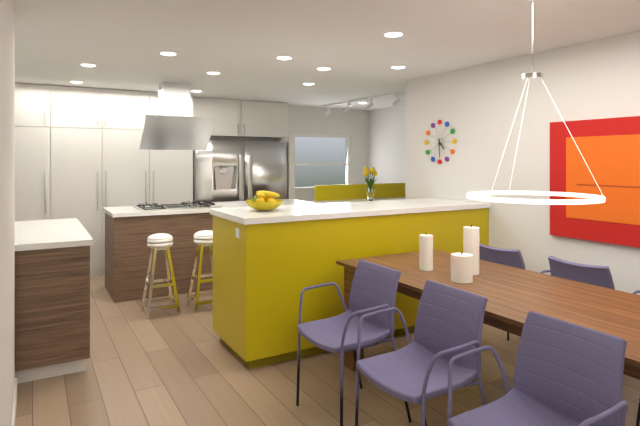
**4:29**
